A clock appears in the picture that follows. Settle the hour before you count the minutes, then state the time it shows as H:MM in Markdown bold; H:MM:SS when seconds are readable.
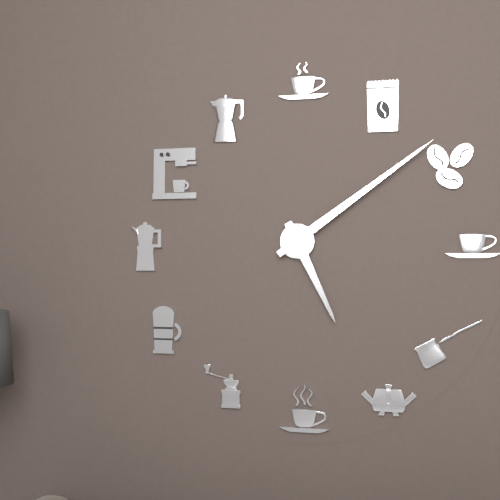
**5:09**
